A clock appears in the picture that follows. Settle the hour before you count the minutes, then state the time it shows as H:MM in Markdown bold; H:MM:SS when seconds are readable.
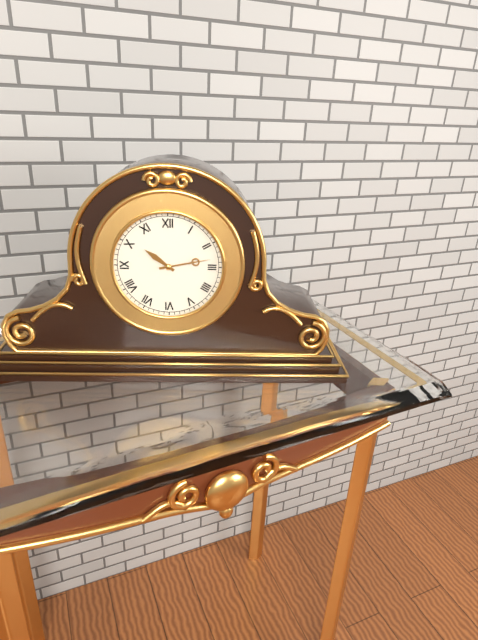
**10:13**
